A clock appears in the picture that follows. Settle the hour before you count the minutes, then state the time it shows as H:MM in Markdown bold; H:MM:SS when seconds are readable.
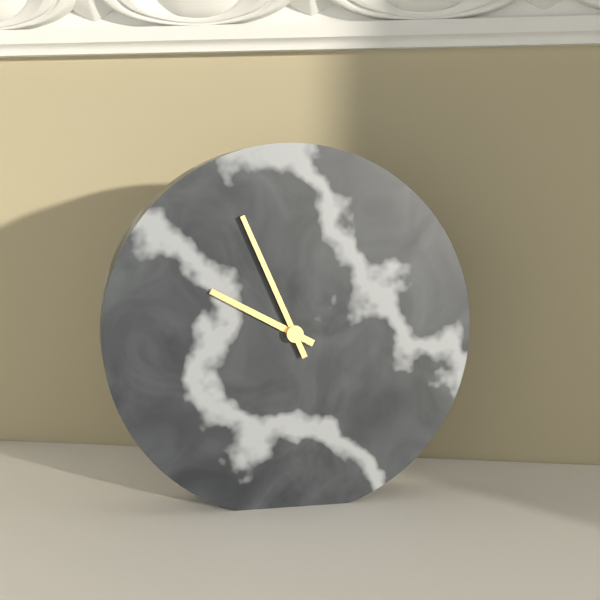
**9:56**
